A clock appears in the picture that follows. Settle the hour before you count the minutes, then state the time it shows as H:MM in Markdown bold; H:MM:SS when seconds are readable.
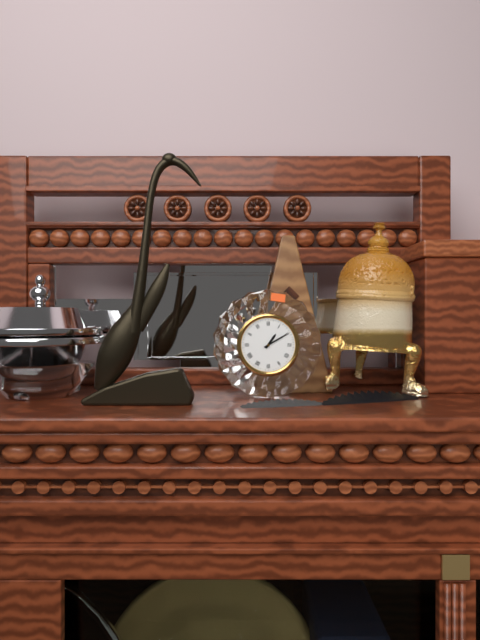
**1:10**
